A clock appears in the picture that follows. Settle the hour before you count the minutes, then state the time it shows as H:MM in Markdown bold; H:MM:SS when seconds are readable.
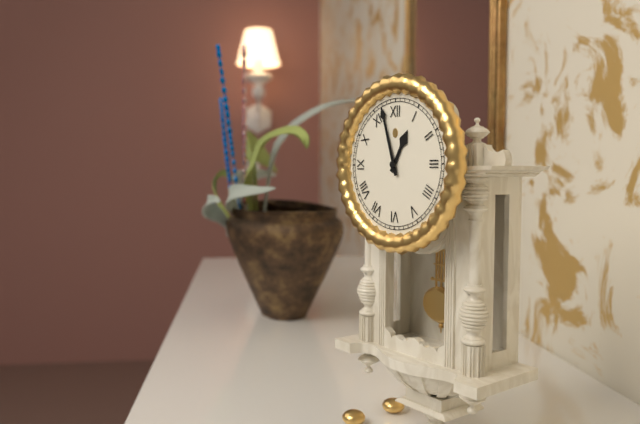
**12:57**
